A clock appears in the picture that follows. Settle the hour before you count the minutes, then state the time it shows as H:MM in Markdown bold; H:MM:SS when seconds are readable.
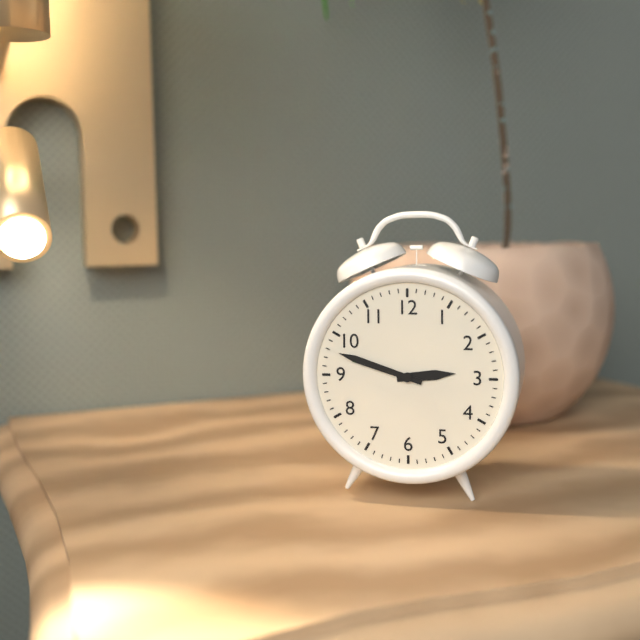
**2:48**
